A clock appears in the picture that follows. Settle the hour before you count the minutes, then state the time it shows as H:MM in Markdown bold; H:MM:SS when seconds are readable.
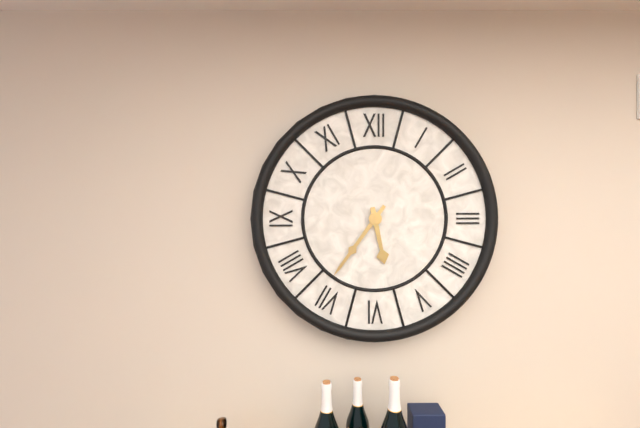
**5:36**
